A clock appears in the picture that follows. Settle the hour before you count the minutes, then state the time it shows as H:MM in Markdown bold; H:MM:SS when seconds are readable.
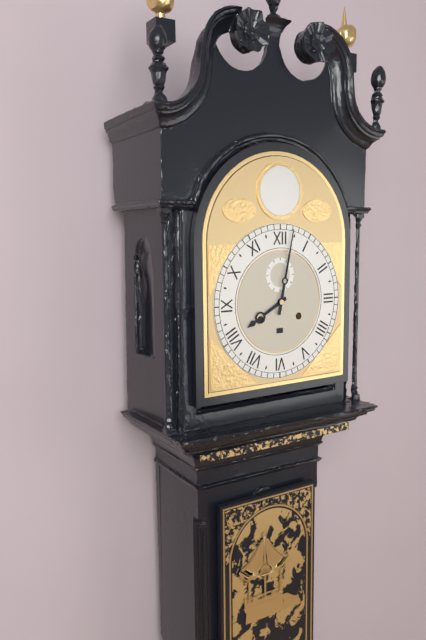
**8:02**
